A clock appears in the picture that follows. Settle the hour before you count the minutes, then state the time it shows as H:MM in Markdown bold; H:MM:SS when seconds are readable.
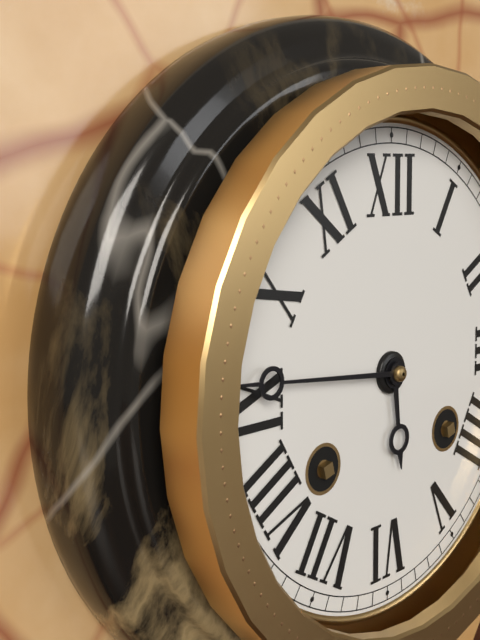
**5:46**
